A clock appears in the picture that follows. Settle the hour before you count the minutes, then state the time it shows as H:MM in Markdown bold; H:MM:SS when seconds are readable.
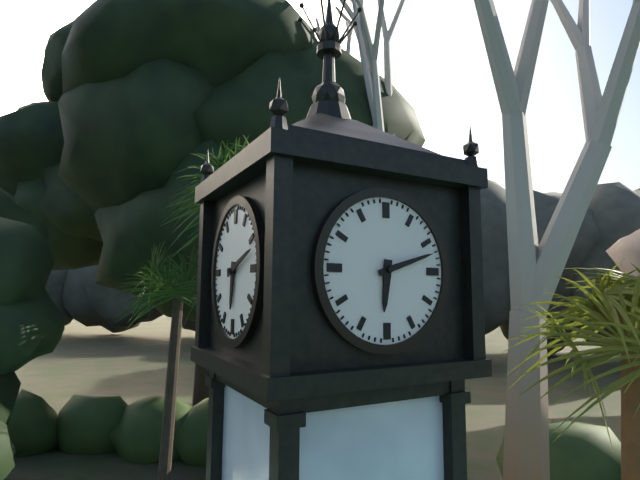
**6:12**
